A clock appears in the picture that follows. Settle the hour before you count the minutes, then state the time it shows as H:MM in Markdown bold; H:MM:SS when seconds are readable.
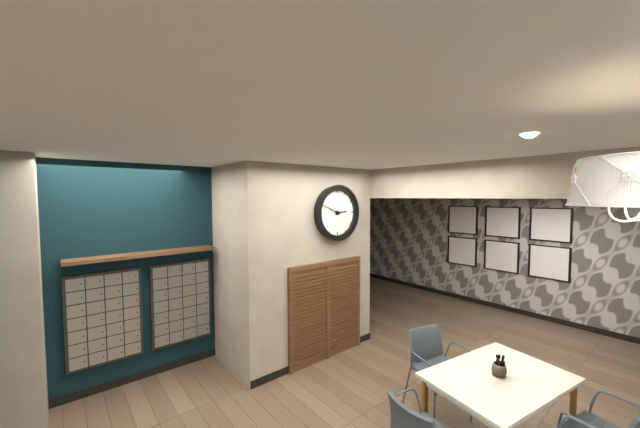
**2:49**
